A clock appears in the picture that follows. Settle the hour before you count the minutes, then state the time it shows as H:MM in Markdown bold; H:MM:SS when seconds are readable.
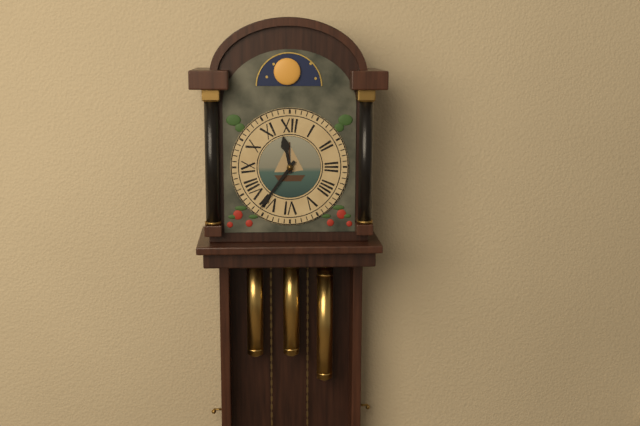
**11:36**
